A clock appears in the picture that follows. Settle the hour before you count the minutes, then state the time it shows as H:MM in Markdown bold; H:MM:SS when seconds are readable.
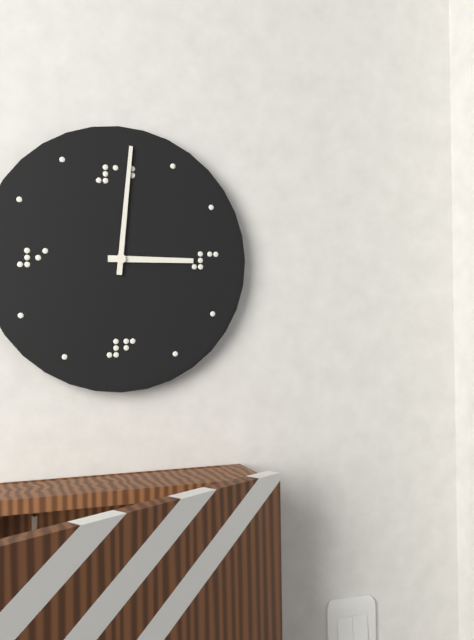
**3:01**
